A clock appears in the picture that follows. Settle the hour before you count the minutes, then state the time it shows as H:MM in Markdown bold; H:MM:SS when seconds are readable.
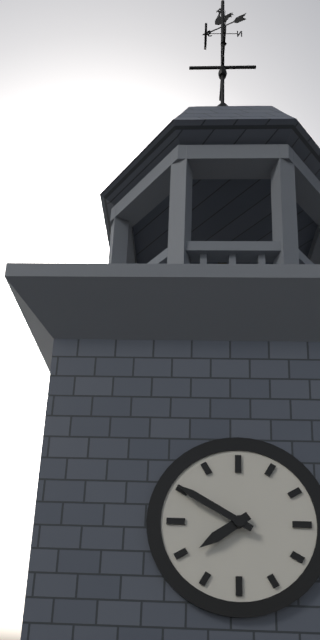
**7:50**
